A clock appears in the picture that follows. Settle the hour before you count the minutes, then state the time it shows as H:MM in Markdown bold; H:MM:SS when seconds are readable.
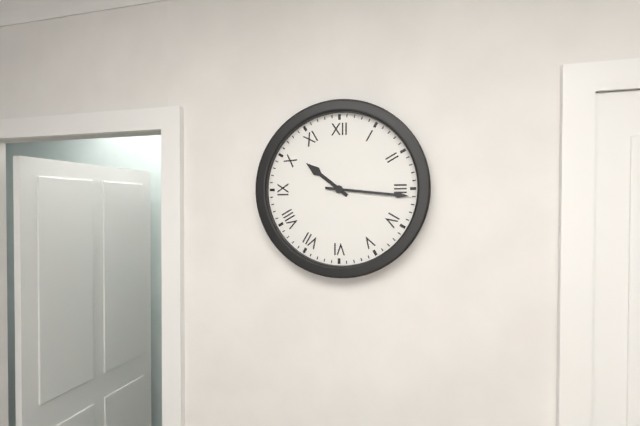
**10:16**
